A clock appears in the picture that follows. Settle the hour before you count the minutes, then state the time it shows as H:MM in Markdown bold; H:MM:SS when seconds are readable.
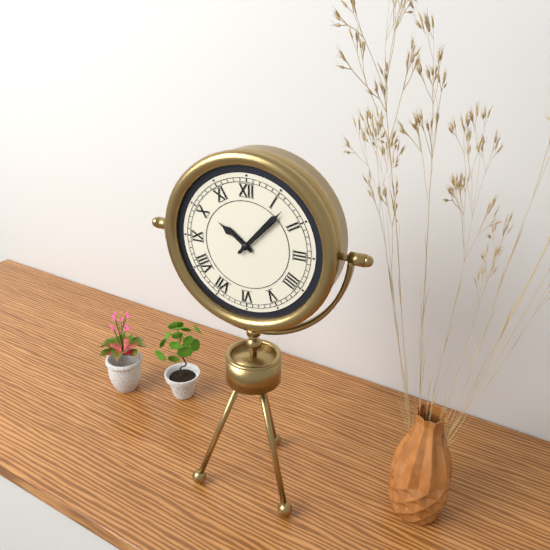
**10:07**
